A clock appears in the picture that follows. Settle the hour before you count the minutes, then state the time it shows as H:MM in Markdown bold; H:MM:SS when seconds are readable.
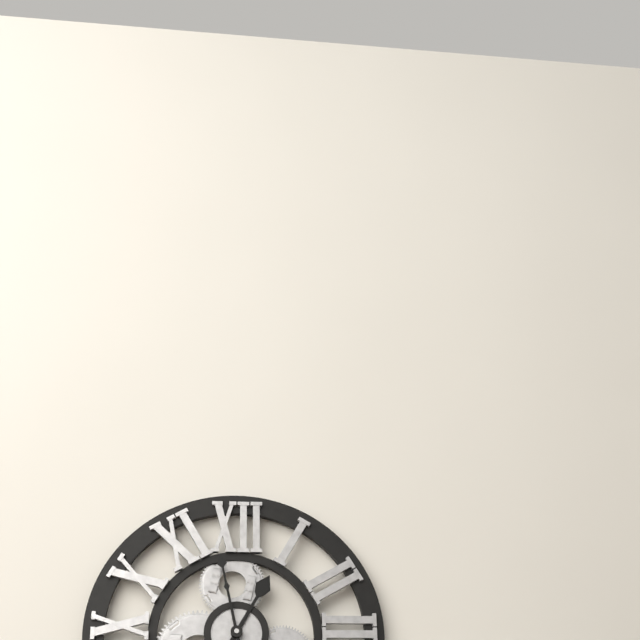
**12:58**
